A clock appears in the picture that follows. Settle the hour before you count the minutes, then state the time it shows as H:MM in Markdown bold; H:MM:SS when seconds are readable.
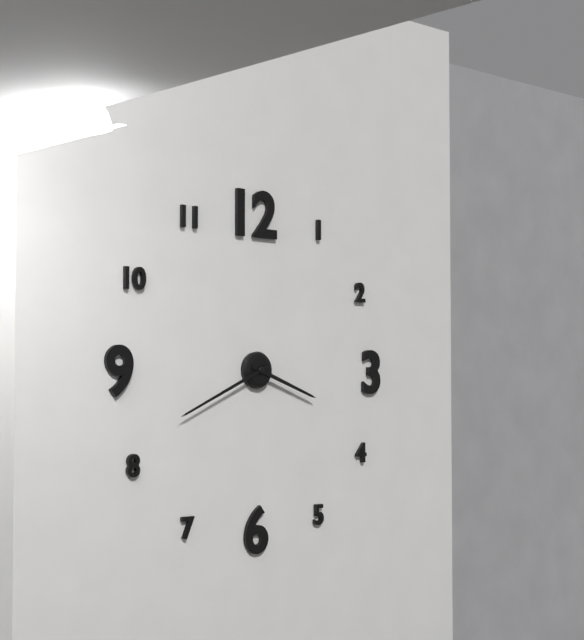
**3:41**
